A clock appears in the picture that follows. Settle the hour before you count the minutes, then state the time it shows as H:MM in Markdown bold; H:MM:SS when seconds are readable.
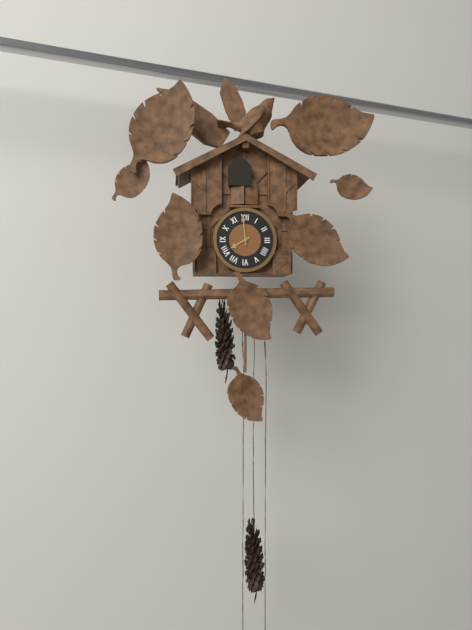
**7:59**
